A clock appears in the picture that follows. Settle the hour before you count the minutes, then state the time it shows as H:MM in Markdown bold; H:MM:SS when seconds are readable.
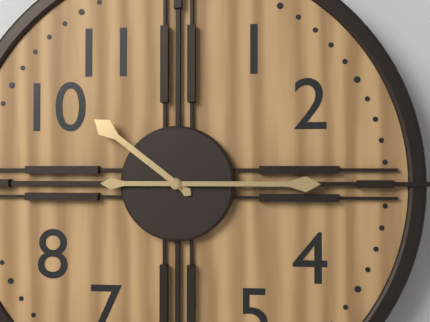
**10:15**
